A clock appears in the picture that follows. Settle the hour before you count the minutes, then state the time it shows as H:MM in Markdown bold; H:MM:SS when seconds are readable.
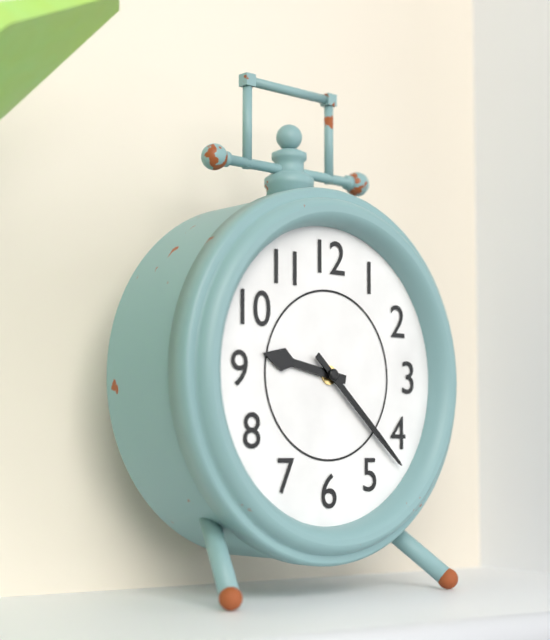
**9:22**
